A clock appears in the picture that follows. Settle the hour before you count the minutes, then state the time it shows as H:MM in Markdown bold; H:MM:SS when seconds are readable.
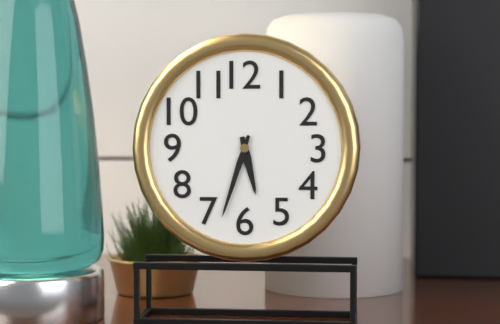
**5:33**
